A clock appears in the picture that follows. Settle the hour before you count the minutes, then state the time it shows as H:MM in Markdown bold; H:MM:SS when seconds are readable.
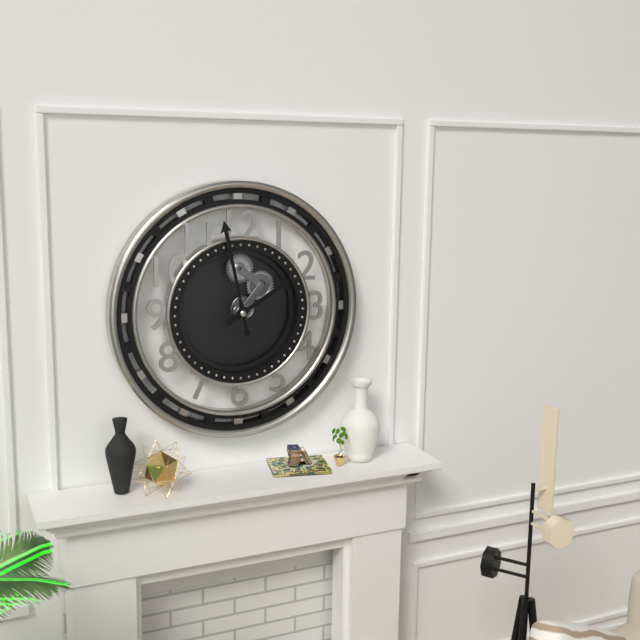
**1:58**
